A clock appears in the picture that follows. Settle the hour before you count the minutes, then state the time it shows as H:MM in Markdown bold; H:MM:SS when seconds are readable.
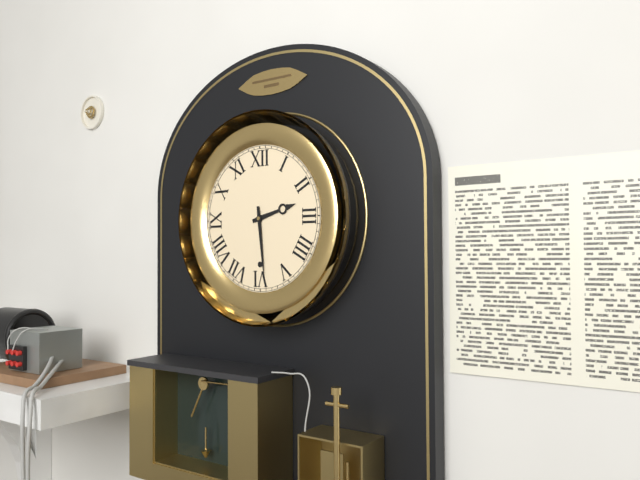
**2:29**
